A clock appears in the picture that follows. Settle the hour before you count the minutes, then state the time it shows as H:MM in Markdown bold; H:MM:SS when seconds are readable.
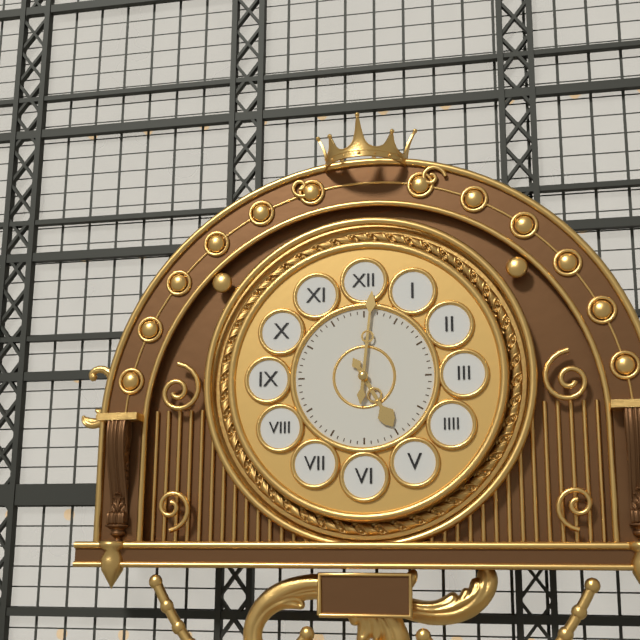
**5:01**
